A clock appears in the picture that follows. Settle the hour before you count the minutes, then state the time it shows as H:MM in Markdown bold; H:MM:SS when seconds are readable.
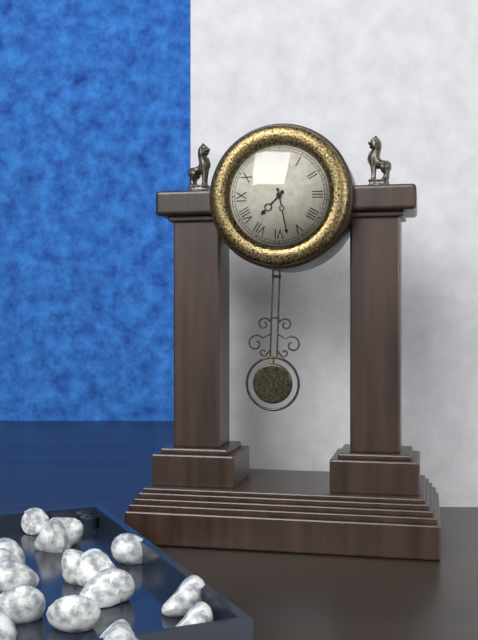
**7:28**
